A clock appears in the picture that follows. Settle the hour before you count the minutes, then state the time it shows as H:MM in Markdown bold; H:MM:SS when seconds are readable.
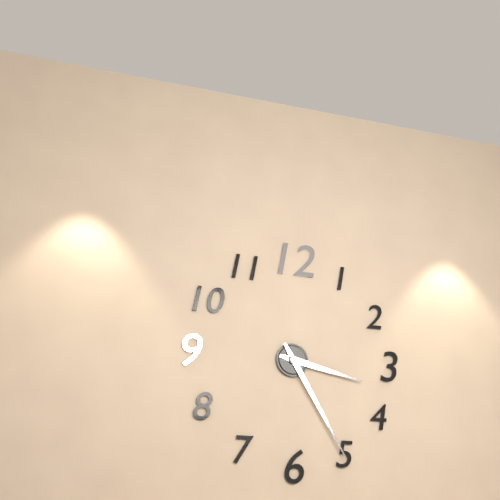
**3:25**
